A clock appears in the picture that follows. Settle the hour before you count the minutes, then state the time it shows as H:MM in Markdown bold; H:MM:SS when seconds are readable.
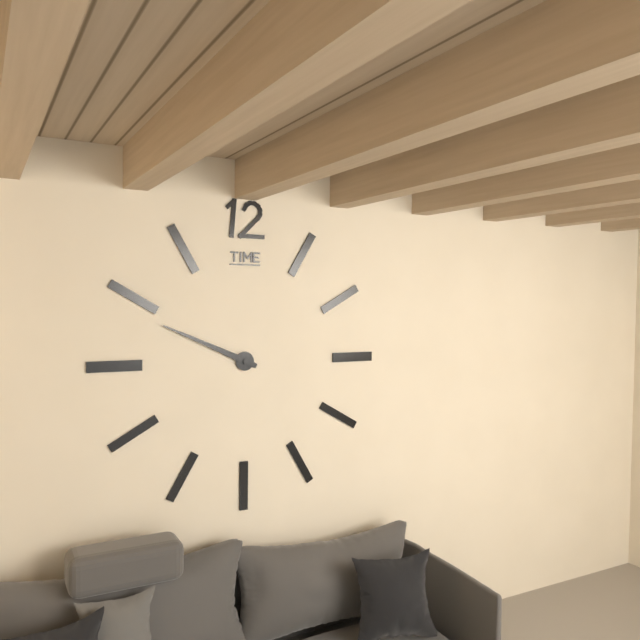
**9:49**
